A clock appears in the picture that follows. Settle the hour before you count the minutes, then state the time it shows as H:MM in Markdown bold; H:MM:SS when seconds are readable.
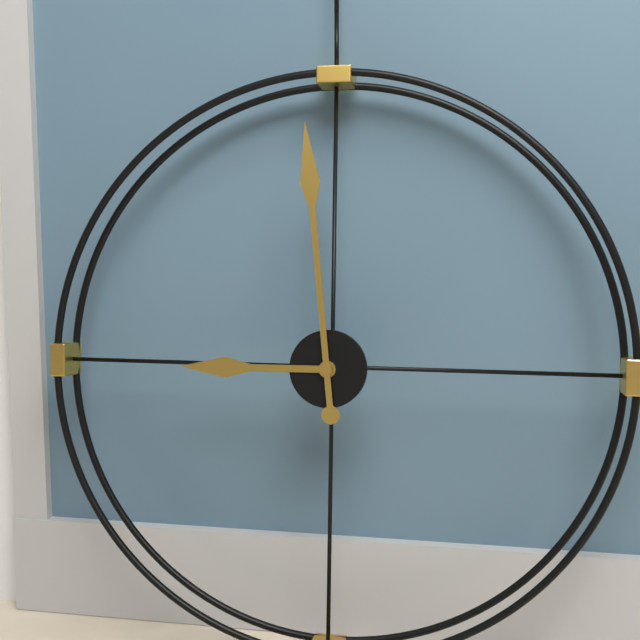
**8:59**
